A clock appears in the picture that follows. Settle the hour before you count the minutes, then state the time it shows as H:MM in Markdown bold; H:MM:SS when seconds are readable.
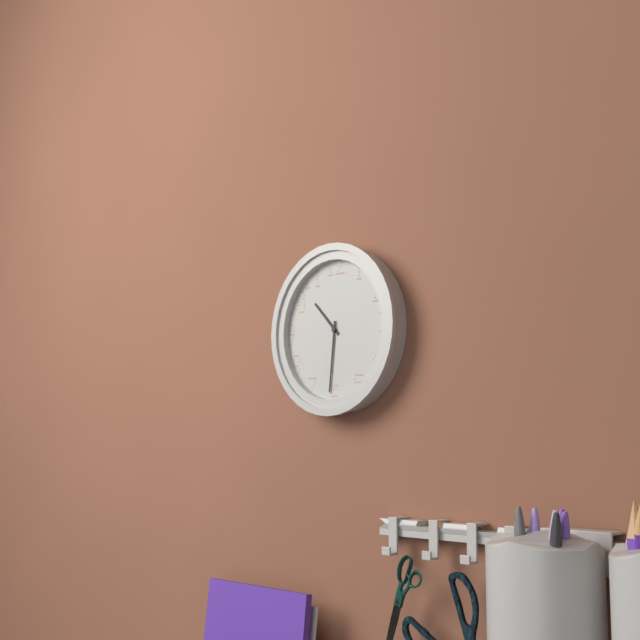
**10:31**
